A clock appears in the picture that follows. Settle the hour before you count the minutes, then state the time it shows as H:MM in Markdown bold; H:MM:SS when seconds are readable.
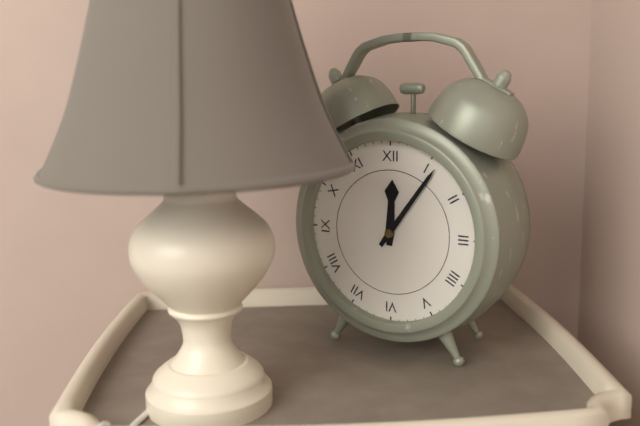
**12:06**
